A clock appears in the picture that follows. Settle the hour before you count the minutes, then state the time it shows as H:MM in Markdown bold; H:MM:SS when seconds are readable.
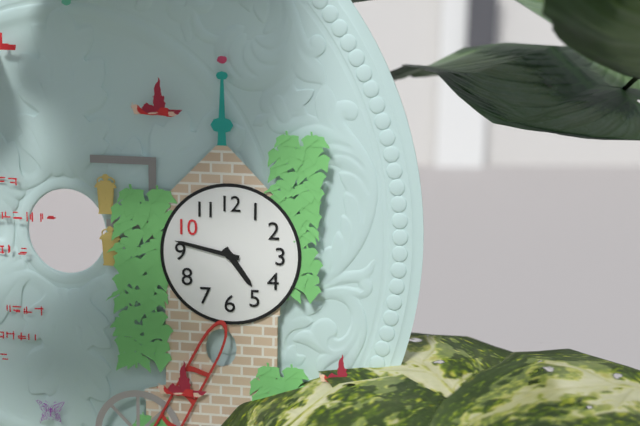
**4:47**
